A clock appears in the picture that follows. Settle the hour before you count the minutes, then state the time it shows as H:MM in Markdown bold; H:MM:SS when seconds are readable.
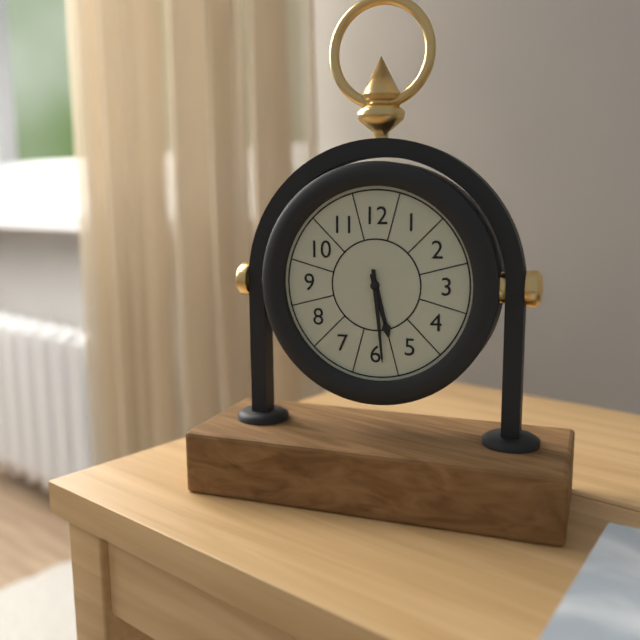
**5:29**
